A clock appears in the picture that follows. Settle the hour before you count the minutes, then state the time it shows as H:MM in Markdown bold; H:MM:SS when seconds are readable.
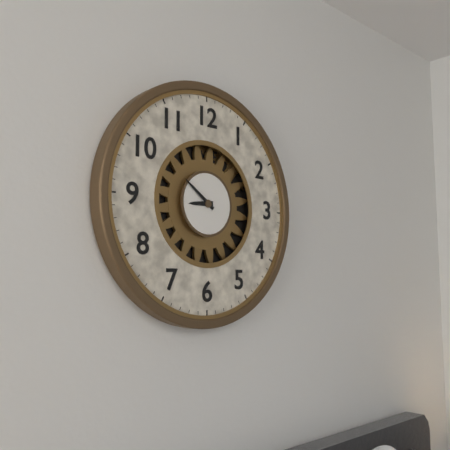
**8:51**
